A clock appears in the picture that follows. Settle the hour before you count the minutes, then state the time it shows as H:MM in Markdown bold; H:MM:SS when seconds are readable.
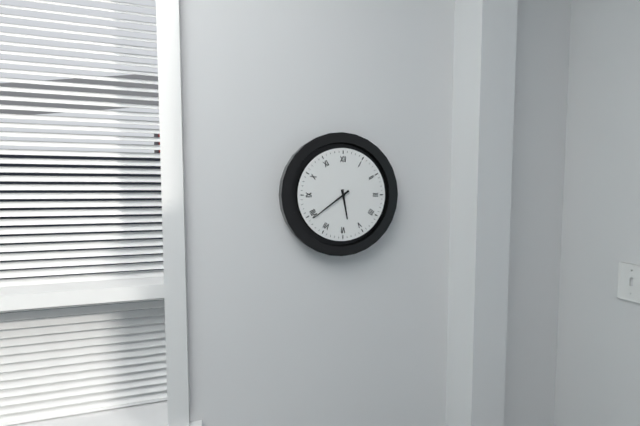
**5:39**
